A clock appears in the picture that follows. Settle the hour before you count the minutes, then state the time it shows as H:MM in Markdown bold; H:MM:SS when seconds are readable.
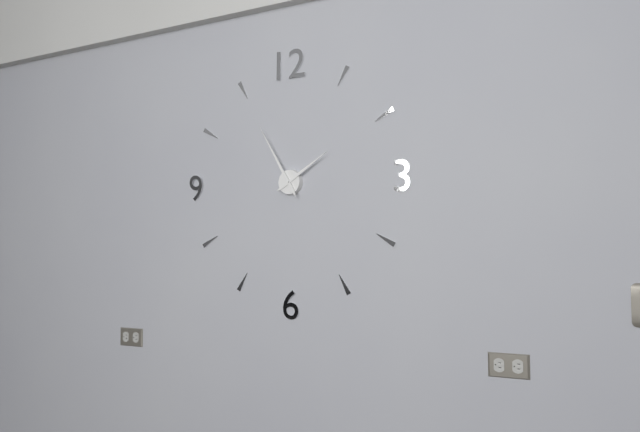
**1:55**
